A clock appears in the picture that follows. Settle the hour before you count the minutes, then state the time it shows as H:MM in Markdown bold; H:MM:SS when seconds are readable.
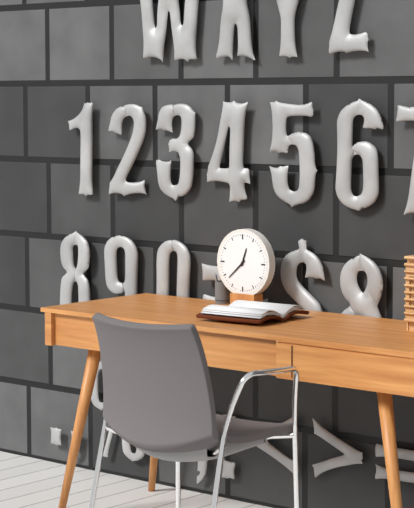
**12:38**
